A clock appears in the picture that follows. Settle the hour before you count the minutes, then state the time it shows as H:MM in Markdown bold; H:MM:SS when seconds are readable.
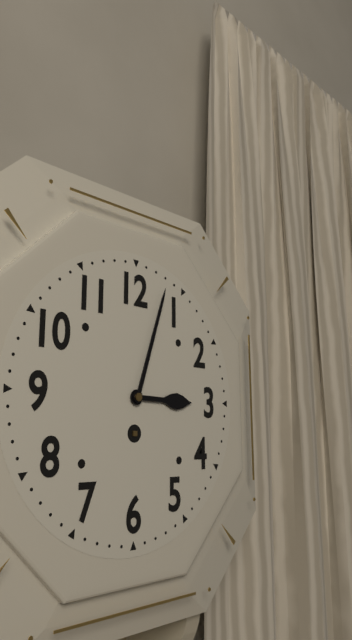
**3:03**
